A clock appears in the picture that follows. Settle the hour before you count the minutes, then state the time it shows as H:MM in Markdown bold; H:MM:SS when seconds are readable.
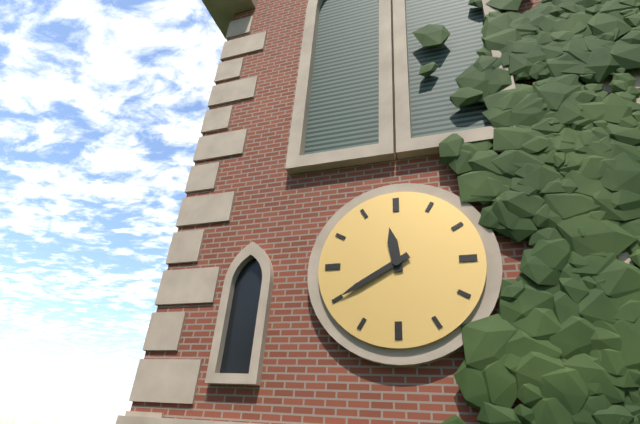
**11:40**
